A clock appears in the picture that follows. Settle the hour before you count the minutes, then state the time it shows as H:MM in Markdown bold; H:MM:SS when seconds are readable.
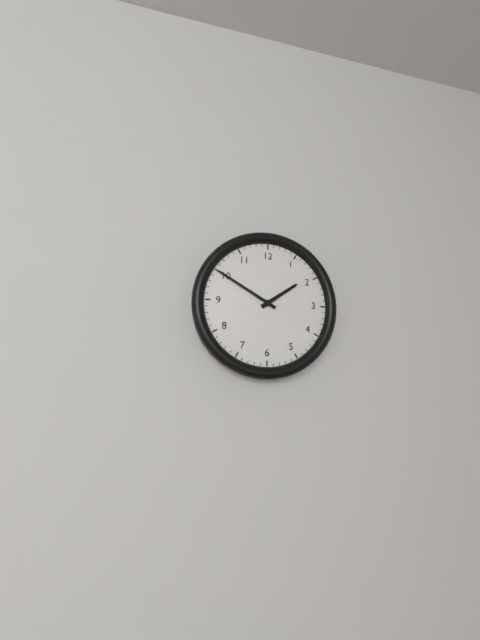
**1:50**
